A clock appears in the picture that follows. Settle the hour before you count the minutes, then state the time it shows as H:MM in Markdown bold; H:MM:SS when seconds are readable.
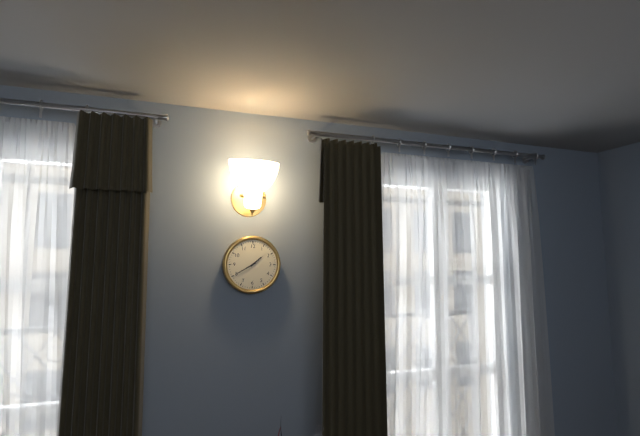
**1:40**
